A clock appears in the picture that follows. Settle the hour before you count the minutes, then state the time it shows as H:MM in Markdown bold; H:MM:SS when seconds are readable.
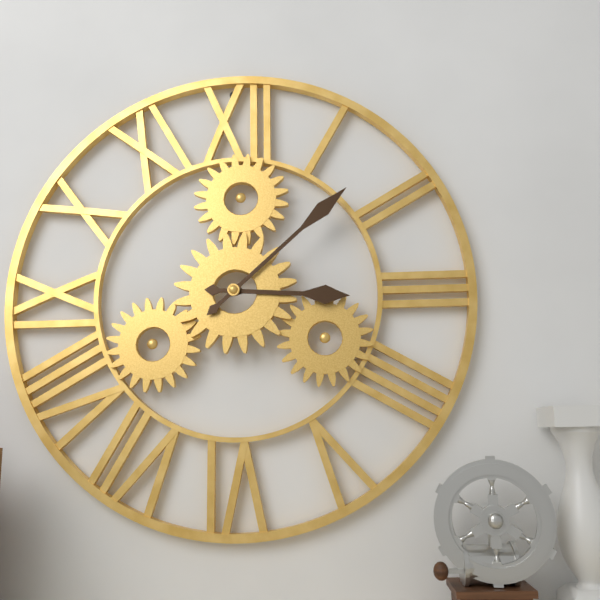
**3:08**
